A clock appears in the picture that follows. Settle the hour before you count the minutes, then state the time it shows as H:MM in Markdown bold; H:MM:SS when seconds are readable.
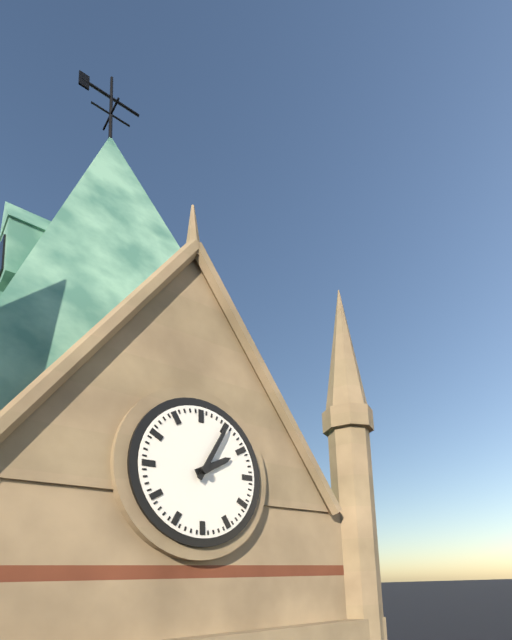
**2:05**
